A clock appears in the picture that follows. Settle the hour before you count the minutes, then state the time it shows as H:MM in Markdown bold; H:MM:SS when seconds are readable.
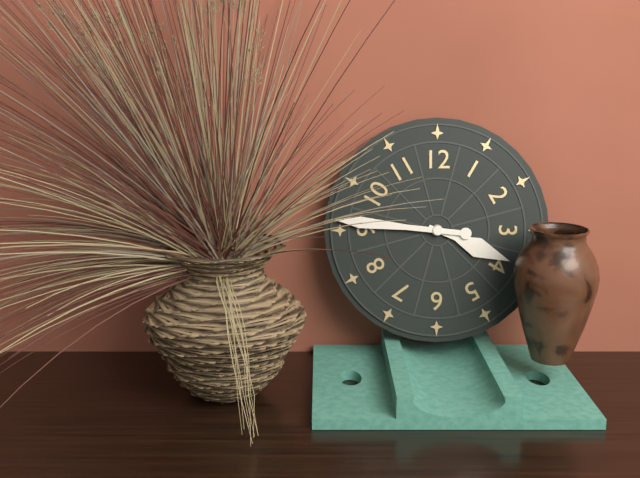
**3:46**
